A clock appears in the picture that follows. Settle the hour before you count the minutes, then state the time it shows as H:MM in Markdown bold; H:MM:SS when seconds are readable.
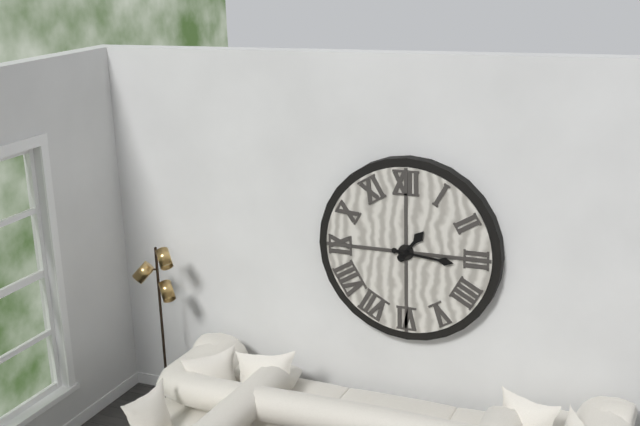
**1:16**
